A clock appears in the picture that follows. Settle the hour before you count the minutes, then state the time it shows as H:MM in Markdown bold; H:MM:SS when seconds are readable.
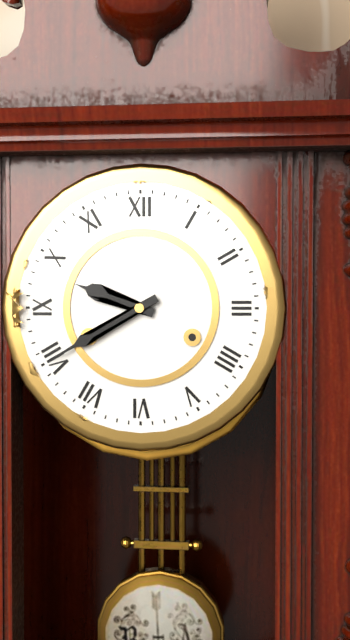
**9:40**
